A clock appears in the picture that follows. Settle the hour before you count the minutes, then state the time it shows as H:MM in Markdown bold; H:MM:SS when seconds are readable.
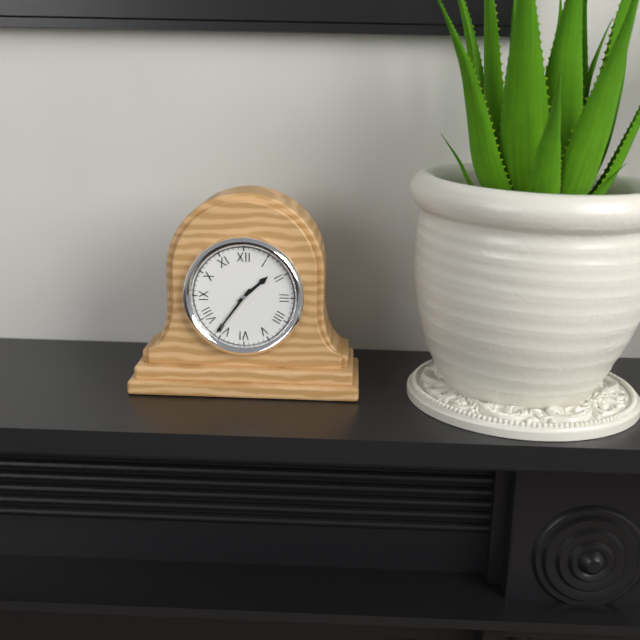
**1:36**
